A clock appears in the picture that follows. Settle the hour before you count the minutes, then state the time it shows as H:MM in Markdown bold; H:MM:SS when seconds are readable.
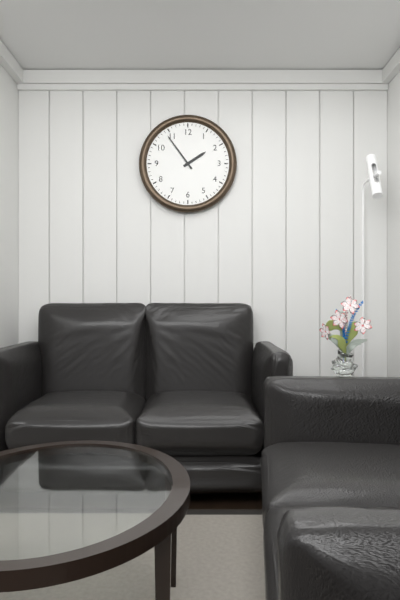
**1:54**
